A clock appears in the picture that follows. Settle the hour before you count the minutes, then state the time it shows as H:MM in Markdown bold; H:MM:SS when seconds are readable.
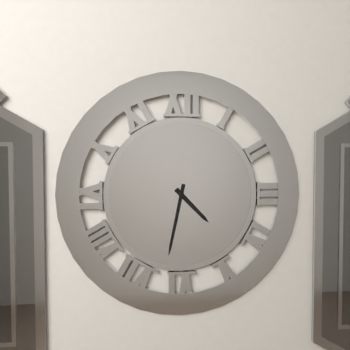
**4:32**
